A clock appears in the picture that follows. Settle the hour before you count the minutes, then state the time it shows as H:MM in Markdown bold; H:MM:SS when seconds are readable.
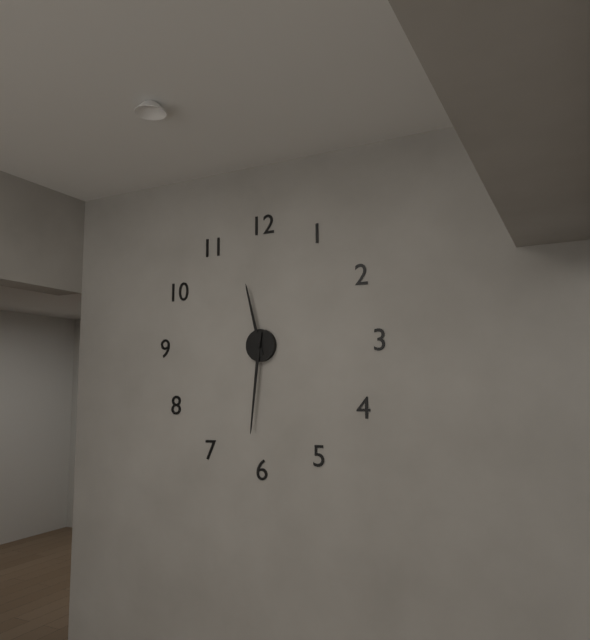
**11:31**
